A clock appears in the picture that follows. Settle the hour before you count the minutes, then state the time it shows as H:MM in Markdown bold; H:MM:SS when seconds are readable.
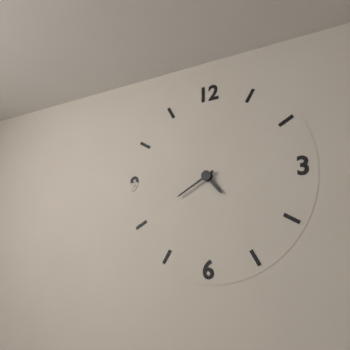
**4:40**
